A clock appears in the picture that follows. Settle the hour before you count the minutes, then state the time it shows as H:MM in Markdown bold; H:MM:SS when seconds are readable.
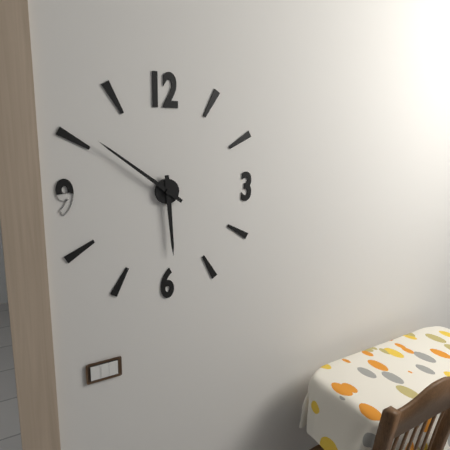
**5:51**
